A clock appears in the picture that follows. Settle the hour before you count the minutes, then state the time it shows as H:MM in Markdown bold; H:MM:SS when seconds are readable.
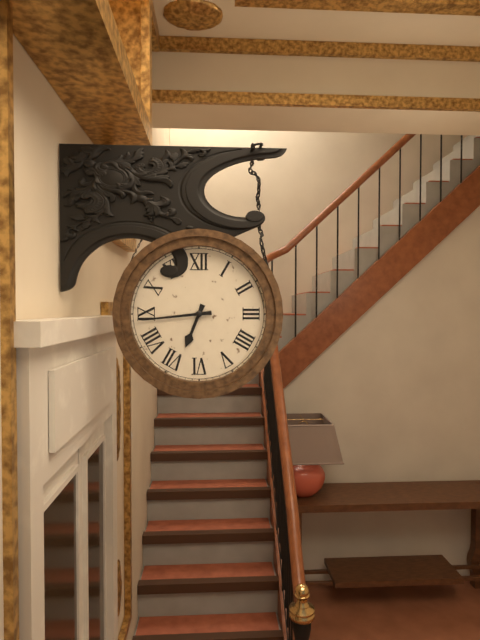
**6:44**
